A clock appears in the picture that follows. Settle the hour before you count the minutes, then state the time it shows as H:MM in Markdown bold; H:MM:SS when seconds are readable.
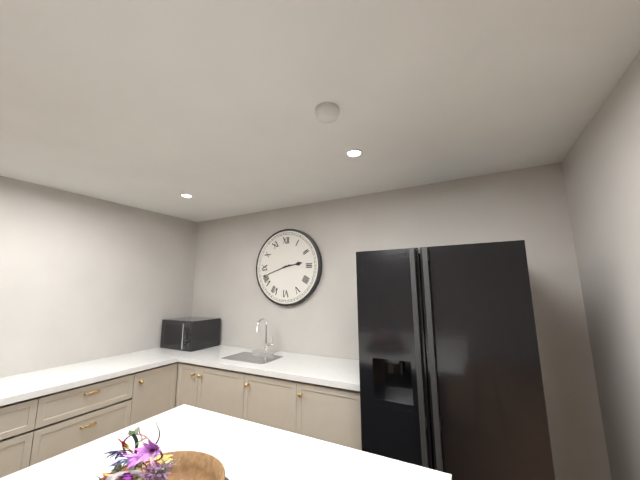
**2:42**
